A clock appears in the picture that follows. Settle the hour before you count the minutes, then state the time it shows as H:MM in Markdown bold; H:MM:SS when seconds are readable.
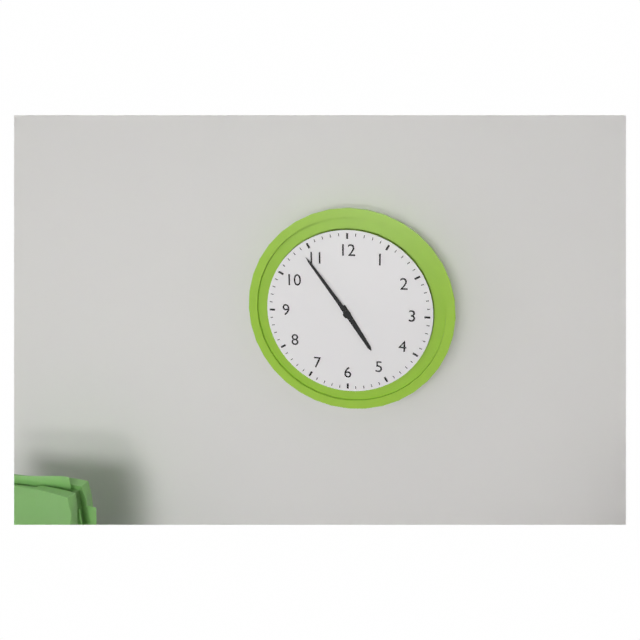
**4:54**
